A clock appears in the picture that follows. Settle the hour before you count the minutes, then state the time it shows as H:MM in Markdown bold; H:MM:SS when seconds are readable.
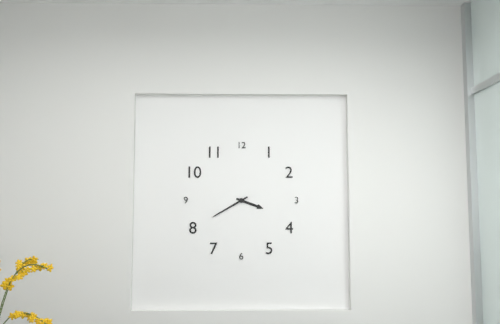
**3:40**
